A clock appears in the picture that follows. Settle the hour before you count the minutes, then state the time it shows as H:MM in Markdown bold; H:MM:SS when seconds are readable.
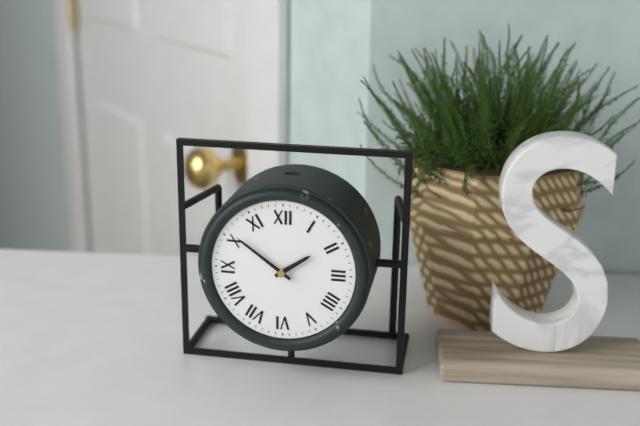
**1:51**
